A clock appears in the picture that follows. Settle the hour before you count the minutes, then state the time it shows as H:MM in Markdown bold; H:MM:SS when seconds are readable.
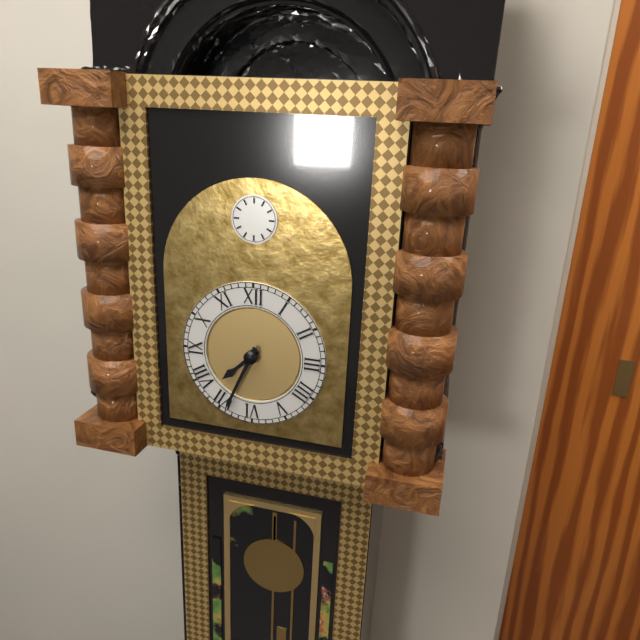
**7:34**
